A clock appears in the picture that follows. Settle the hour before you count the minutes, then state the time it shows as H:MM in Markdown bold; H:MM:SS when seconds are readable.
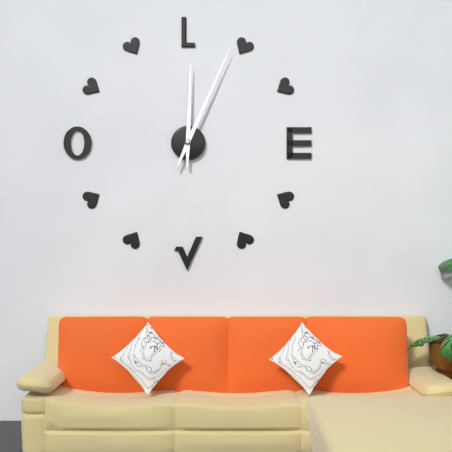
**12:04**
